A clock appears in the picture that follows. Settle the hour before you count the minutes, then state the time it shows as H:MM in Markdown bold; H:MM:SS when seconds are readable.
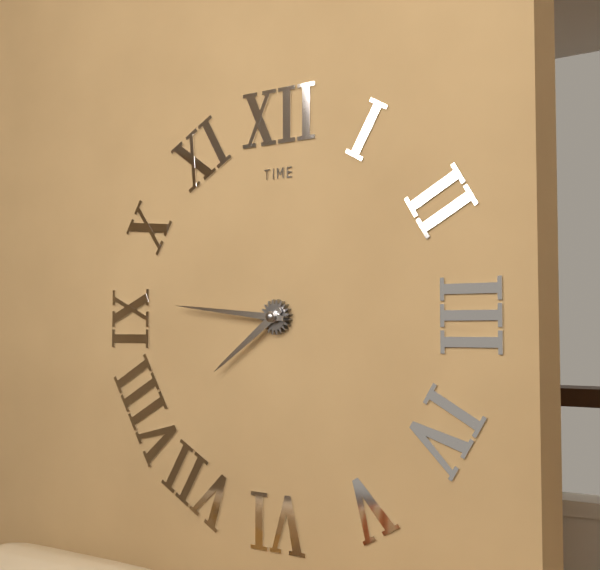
**7:46**
